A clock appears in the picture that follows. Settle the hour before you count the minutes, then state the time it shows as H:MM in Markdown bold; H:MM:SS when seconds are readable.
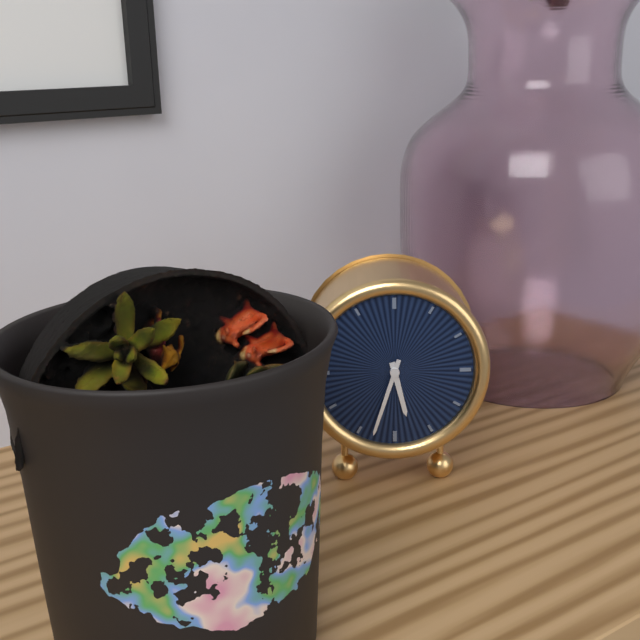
**5:33**
